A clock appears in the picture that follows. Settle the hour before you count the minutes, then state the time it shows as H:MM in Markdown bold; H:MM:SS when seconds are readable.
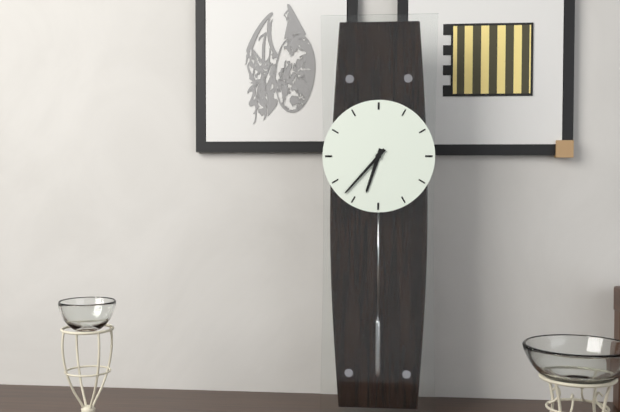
**6:37**
